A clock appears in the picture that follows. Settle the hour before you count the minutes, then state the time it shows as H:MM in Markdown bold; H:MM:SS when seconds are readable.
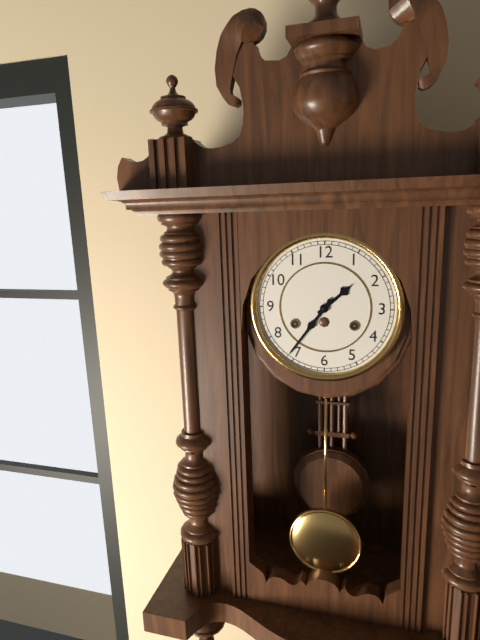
**1:36**
